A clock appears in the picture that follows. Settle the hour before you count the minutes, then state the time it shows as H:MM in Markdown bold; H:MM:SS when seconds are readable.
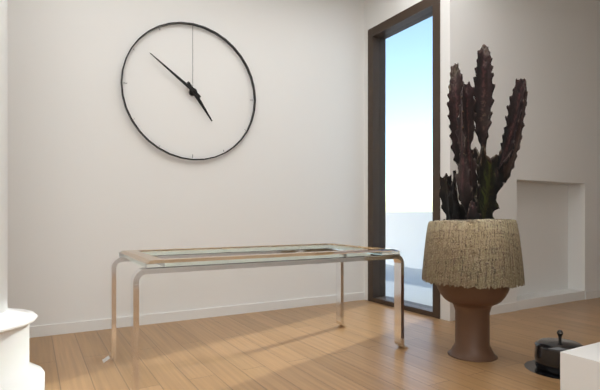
**4:51**
